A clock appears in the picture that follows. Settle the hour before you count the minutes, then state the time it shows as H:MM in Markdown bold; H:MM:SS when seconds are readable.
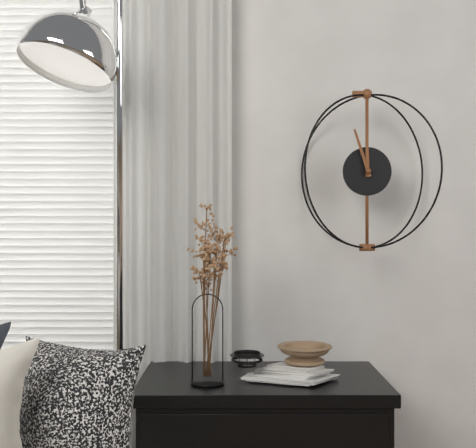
**11:57**
